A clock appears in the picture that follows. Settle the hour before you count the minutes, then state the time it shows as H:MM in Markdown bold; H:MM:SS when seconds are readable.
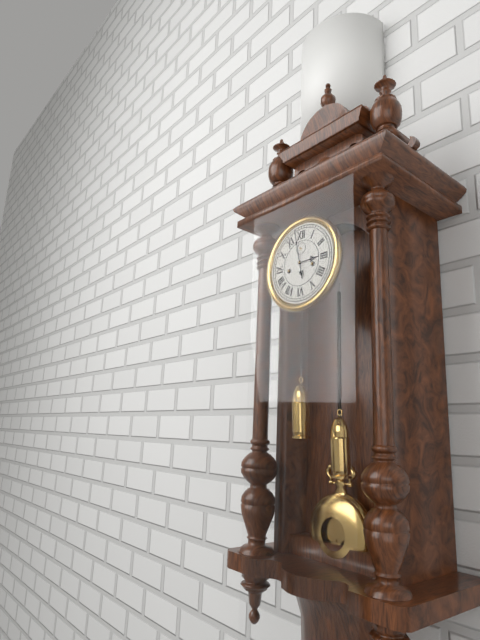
**2:58**
